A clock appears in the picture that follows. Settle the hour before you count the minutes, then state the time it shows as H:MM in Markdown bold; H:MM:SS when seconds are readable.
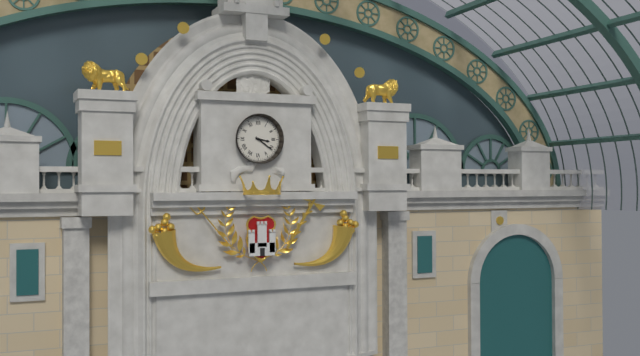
**3:21**
